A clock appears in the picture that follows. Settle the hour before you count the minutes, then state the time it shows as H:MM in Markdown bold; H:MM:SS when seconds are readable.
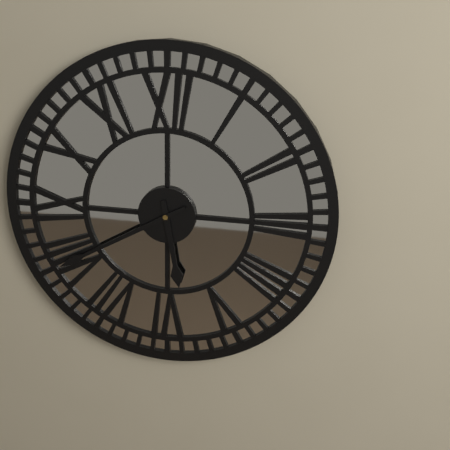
**5:40**
